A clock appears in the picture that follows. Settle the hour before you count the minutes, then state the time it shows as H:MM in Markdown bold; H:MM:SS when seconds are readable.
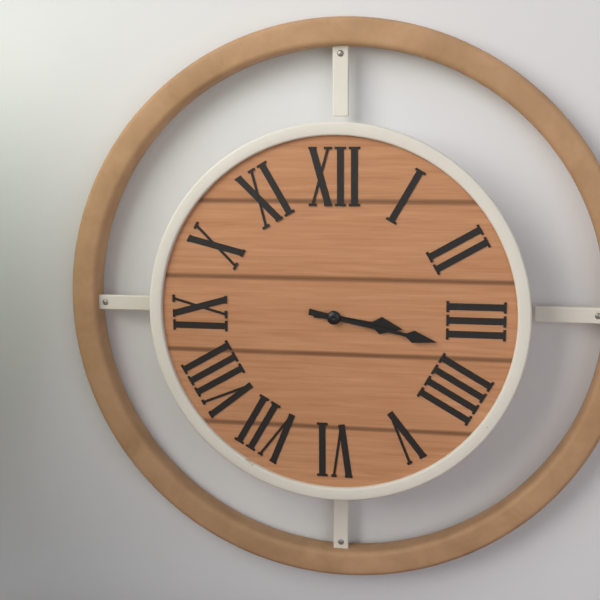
**3:17**
